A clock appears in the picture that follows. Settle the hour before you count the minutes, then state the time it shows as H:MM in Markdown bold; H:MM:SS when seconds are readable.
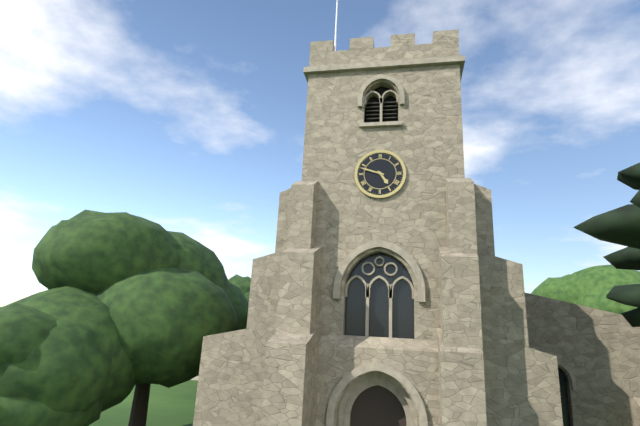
**4:48**
